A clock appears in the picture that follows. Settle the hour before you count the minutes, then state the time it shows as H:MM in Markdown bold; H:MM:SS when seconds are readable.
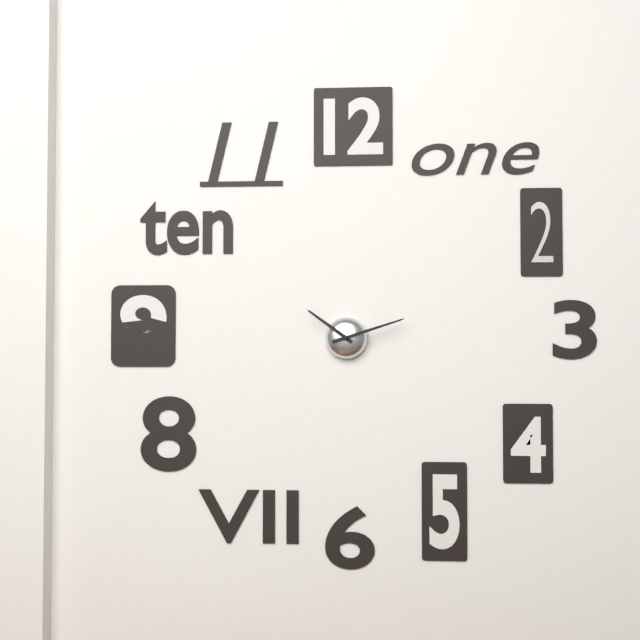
**10:12**
